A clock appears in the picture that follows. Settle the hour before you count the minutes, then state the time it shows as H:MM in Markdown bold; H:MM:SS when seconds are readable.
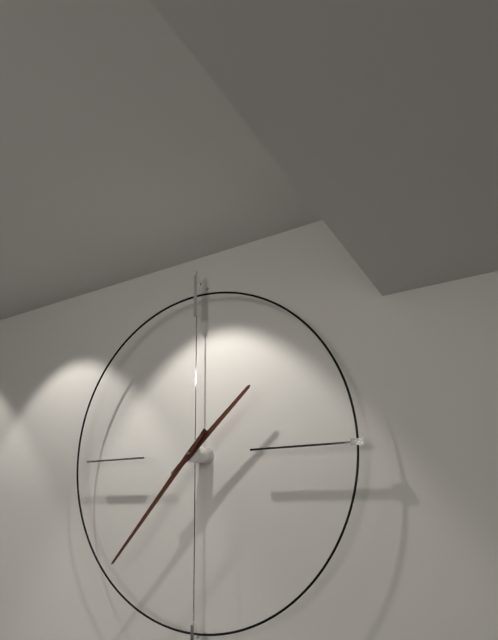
**1:37**
